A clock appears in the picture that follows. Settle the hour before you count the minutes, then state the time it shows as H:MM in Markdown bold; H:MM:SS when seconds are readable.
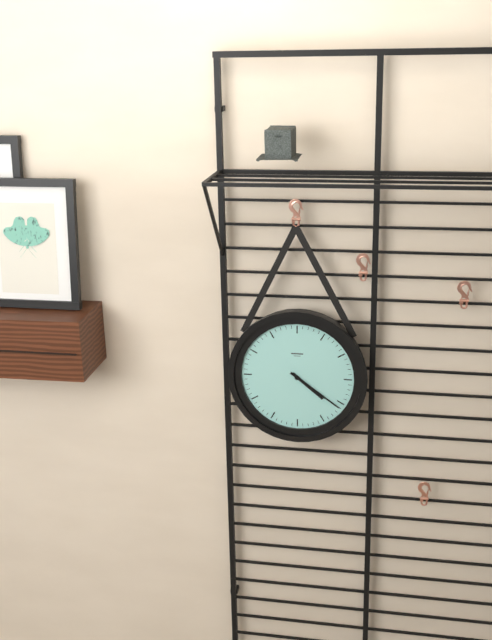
**4:21**
